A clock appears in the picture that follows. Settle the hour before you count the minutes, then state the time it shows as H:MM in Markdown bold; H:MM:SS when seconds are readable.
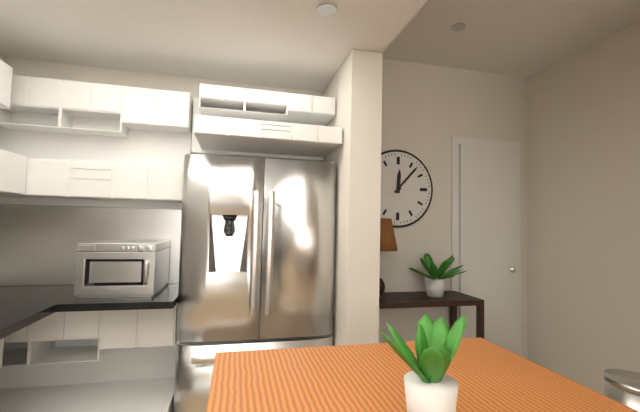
**12:07**
